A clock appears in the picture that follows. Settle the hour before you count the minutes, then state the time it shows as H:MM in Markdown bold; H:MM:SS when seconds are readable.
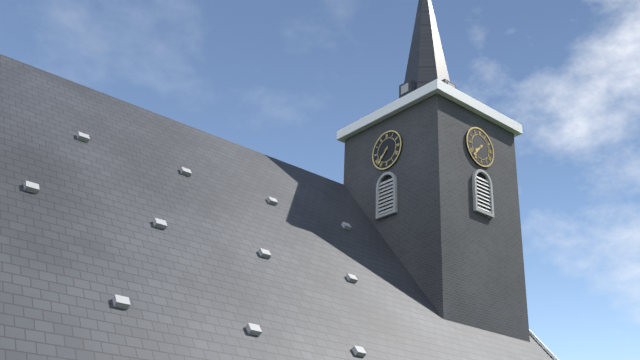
**7:37**
